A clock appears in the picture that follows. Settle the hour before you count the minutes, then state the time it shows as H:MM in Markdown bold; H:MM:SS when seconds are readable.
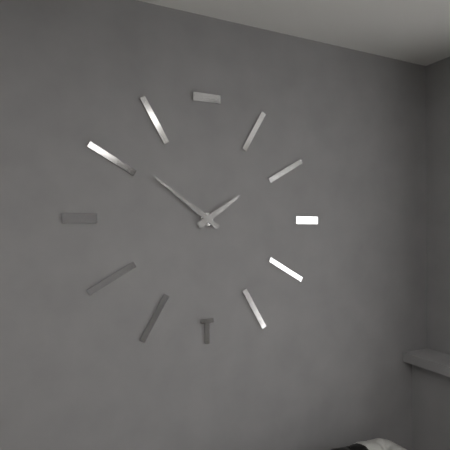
**1:51**
